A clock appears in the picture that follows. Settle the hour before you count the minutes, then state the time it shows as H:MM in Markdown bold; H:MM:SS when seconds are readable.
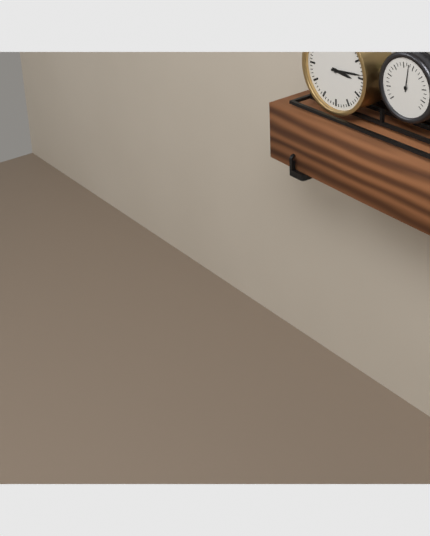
**3:14**
